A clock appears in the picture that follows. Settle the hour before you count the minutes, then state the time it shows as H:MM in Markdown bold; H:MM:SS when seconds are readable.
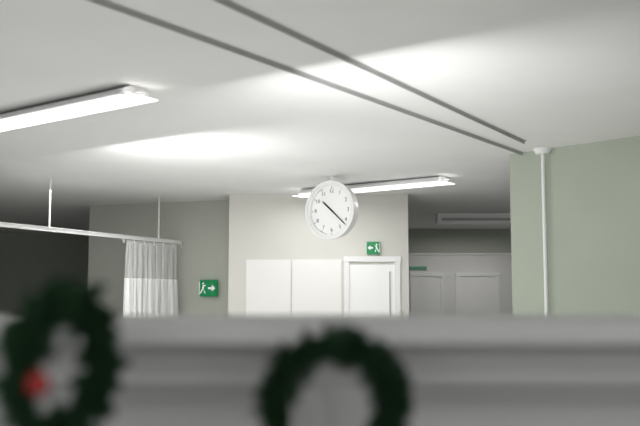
**10:22**
